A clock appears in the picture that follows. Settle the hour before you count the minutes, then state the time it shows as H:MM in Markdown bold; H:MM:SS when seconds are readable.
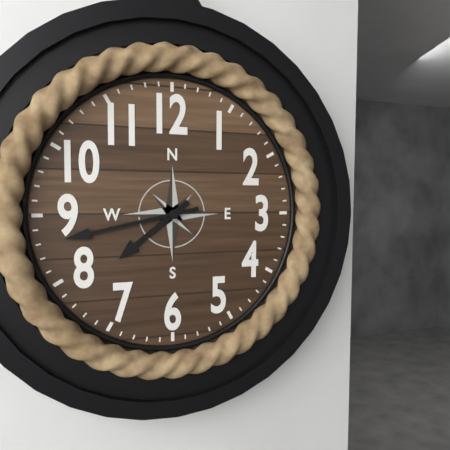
**7:43**
